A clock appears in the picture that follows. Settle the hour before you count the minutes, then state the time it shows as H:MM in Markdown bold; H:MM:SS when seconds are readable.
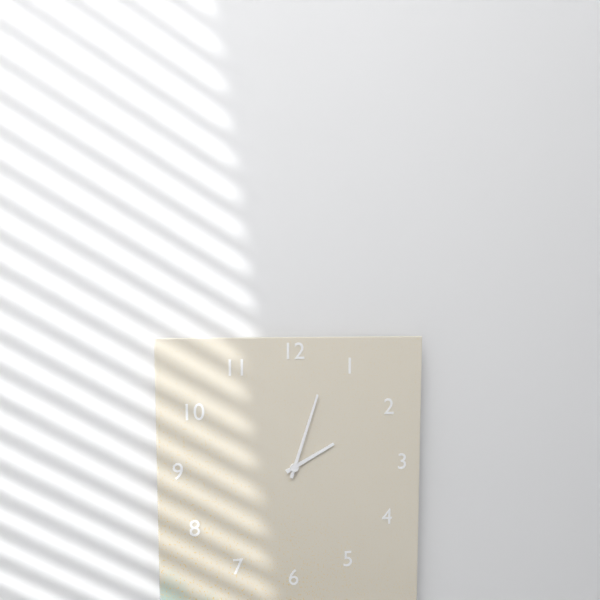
**2:03**
